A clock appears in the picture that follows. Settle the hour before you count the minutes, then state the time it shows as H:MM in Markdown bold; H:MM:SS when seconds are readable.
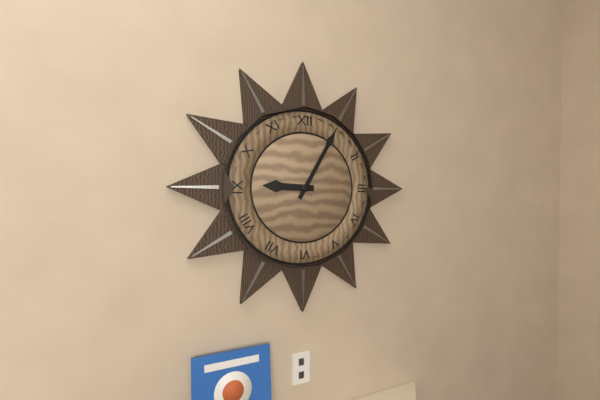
**9:05**
